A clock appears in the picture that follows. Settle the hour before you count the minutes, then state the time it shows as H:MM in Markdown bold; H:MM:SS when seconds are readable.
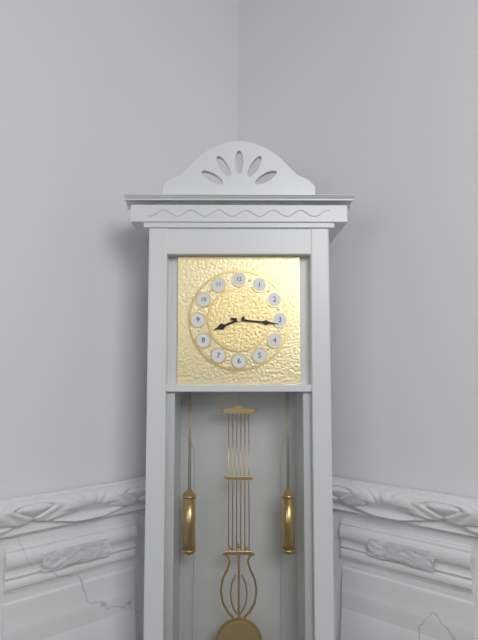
**8:16**
